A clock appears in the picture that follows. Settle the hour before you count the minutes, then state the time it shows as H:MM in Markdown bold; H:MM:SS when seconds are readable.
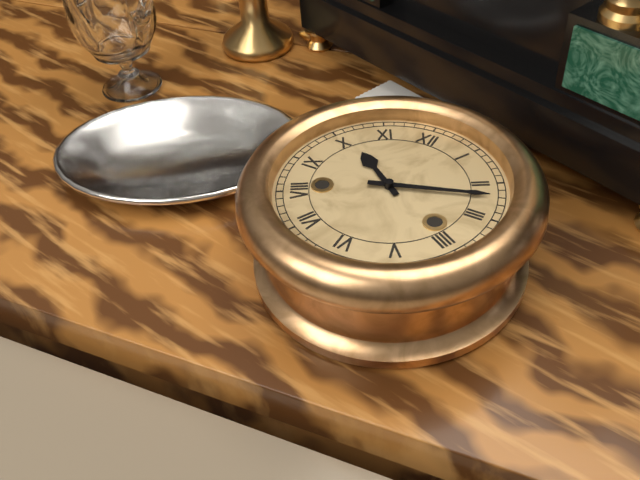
**10:12**
